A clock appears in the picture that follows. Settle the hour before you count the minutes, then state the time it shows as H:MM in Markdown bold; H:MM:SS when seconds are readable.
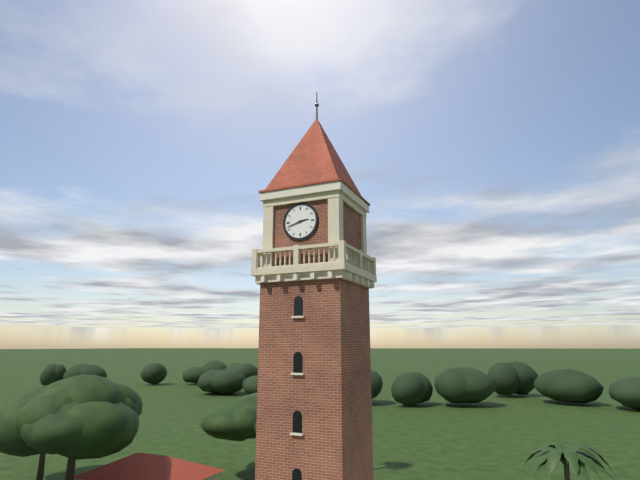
**2:42**
